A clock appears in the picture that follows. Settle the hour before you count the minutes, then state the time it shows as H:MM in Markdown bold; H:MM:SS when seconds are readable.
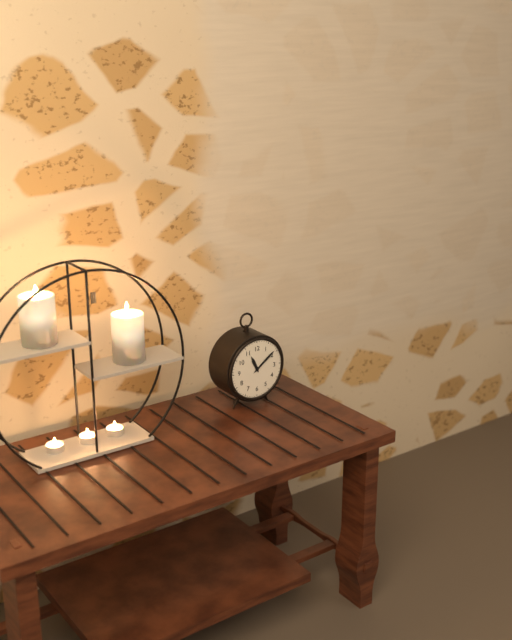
**11:09**
